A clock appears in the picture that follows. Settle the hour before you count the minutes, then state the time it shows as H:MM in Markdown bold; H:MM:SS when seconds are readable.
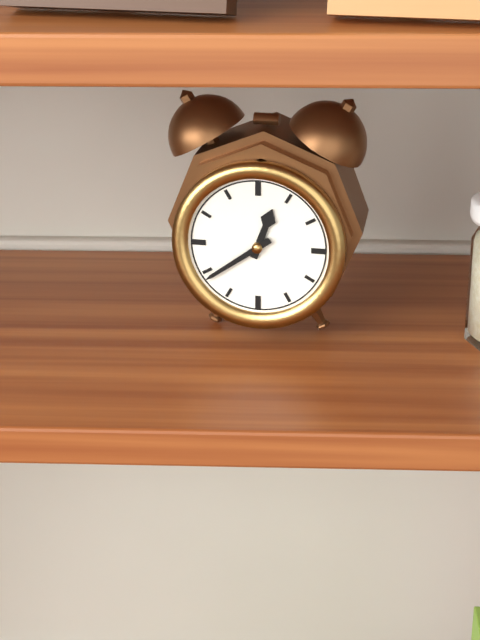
**12:39**
